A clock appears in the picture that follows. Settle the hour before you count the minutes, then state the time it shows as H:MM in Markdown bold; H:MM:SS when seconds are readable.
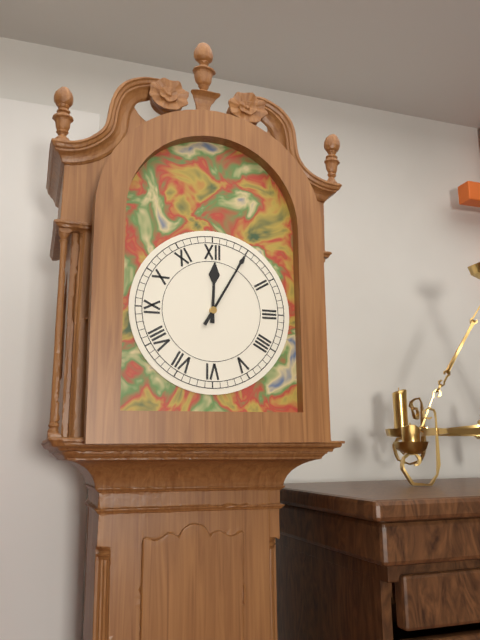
**12:05**
